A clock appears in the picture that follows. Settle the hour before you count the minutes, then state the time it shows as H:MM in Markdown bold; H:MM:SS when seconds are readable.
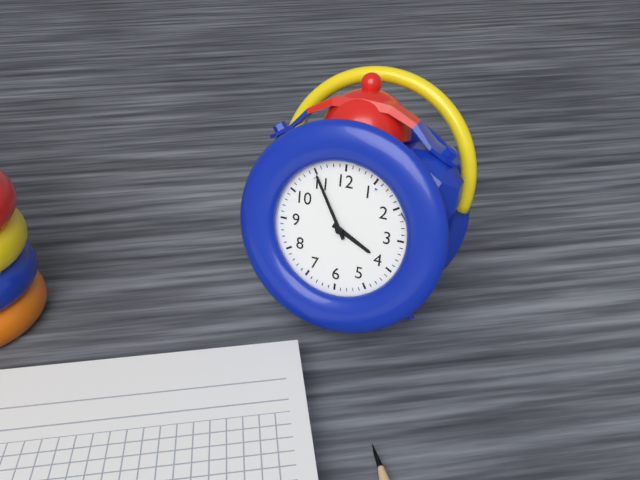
**3:55**
